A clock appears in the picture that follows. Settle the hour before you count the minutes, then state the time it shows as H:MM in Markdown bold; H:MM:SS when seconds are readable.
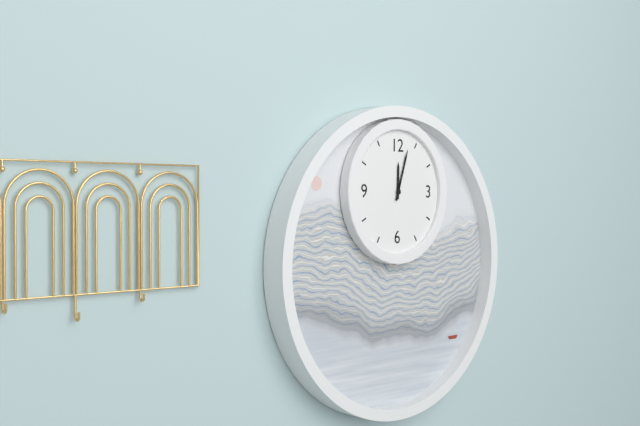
**12:03**
